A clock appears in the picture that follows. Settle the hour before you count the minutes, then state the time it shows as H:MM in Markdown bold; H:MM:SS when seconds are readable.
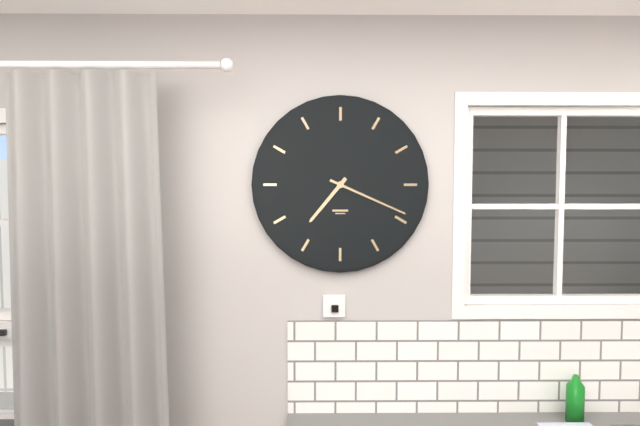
**7:19**
